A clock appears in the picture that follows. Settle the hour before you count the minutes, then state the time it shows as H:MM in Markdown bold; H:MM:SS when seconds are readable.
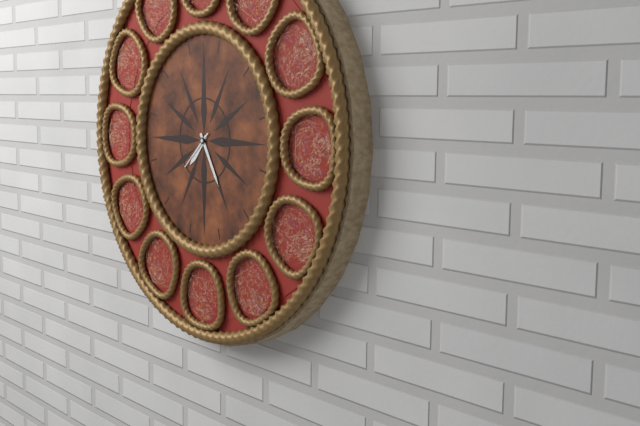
**7:25**
